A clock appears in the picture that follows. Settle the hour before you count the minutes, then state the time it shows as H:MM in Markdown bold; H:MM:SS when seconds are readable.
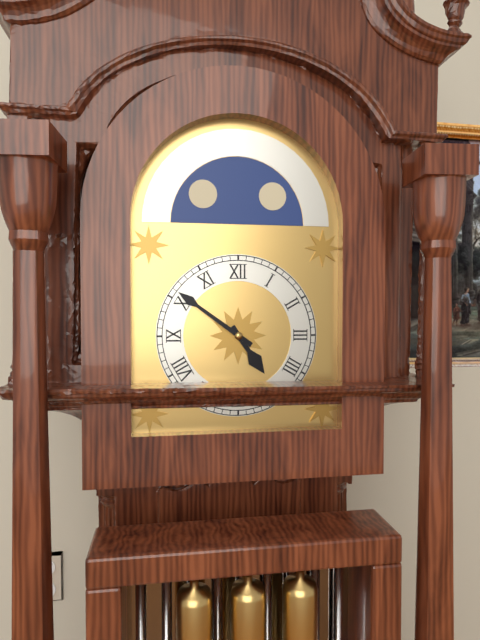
**4:51**
